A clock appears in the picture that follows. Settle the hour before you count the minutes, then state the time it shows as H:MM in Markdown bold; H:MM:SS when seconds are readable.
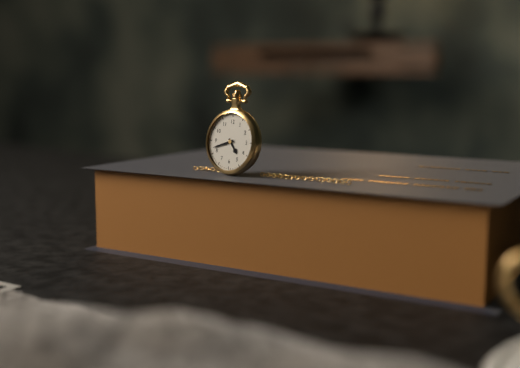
**4:42**
